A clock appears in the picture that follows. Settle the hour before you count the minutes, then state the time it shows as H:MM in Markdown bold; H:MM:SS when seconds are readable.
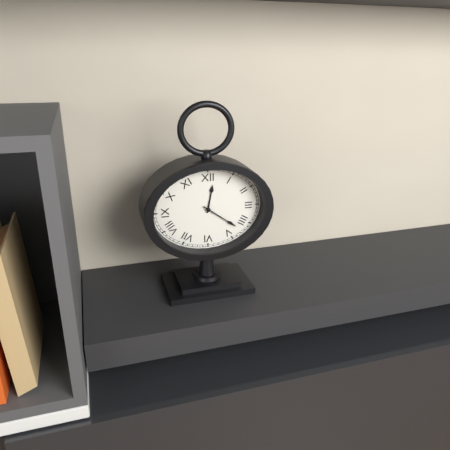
**12:21**
